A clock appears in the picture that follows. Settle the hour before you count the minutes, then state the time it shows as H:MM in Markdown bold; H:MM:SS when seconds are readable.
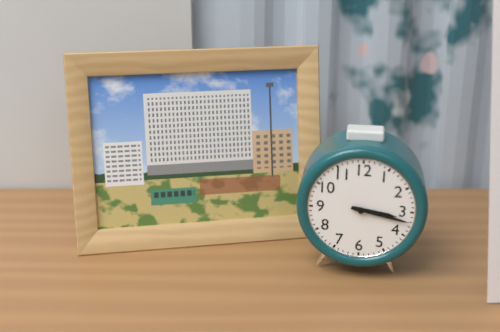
**3:17**
